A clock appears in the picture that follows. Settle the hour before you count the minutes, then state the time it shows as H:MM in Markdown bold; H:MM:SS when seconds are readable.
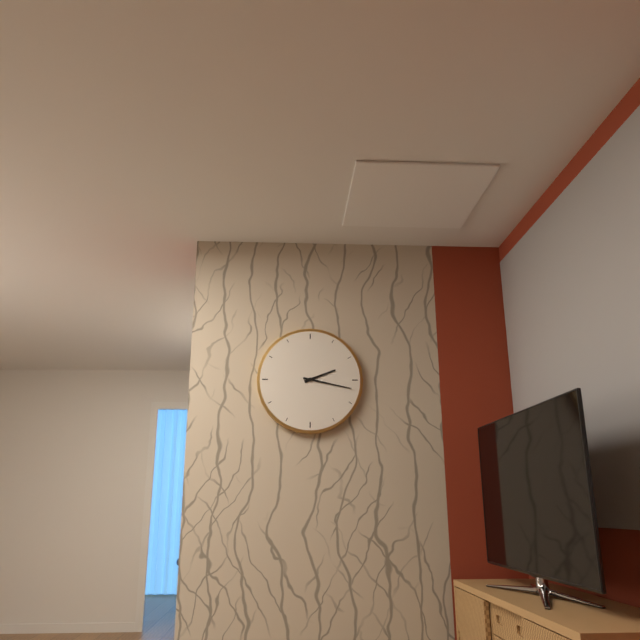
**2:17**
